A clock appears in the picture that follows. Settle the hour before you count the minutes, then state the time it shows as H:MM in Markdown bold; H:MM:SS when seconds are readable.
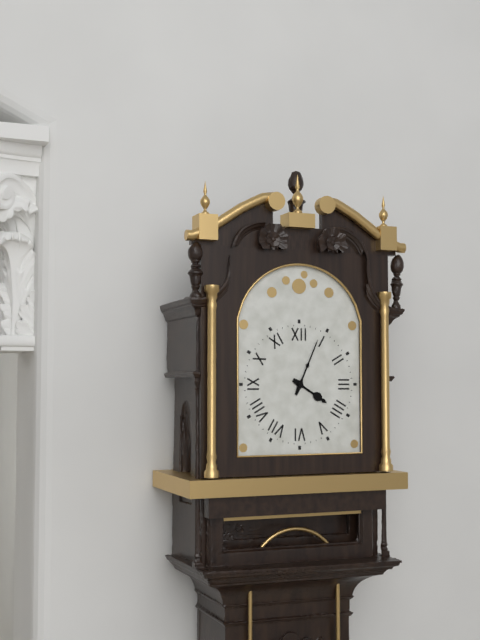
**4:04**
